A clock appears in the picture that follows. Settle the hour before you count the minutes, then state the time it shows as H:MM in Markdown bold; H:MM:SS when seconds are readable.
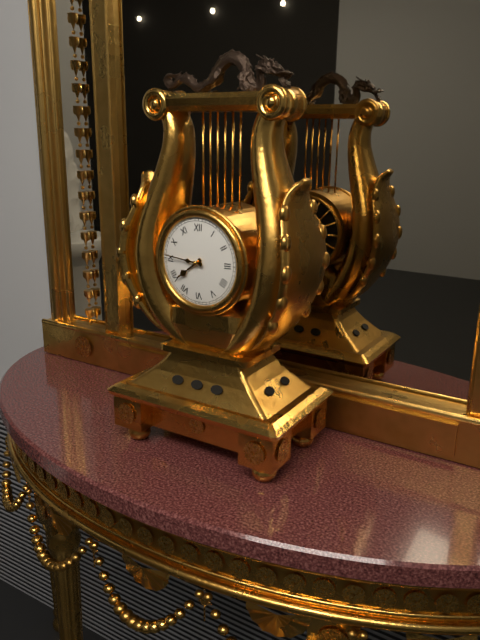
**7:46**
